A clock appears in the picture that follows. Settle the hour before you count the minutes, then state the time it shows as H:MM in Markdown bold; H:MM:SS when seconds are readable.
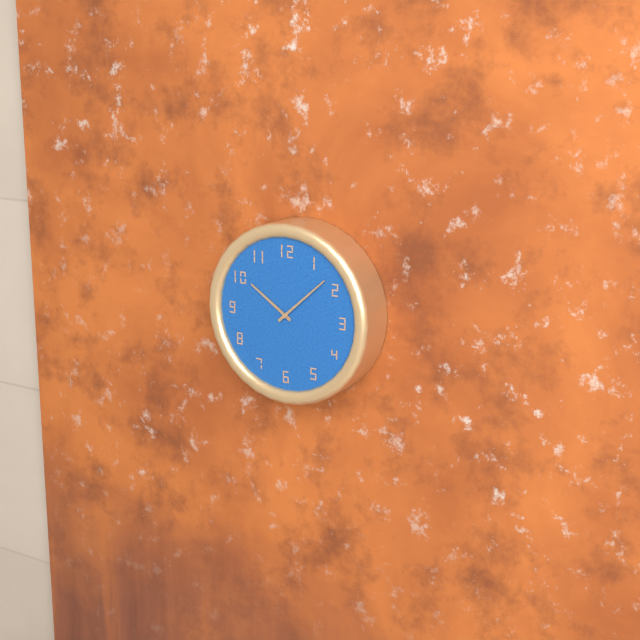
**10:08**
